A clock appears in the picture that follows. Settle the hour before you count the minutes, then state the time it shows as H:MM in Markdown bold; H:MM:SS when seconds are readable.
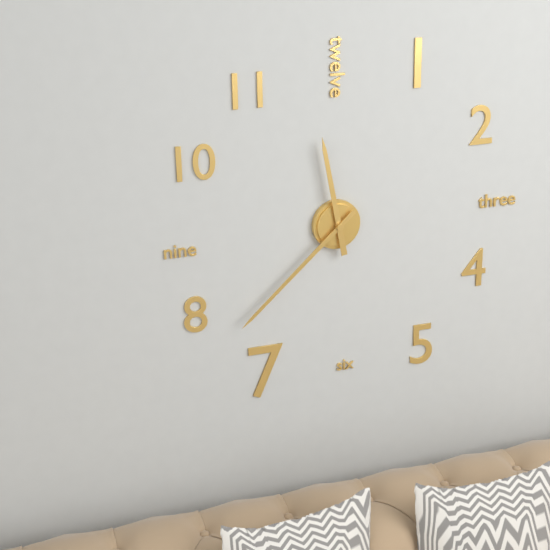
**11:38**
